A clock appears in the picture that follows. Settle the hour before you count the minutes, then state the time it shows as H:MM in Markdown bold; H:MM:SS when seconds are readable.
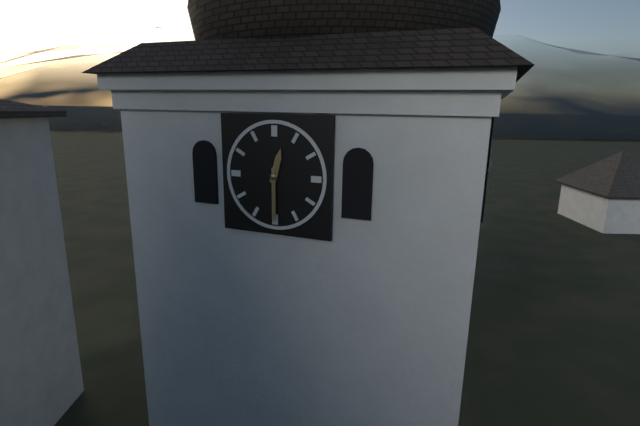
**12:30**
